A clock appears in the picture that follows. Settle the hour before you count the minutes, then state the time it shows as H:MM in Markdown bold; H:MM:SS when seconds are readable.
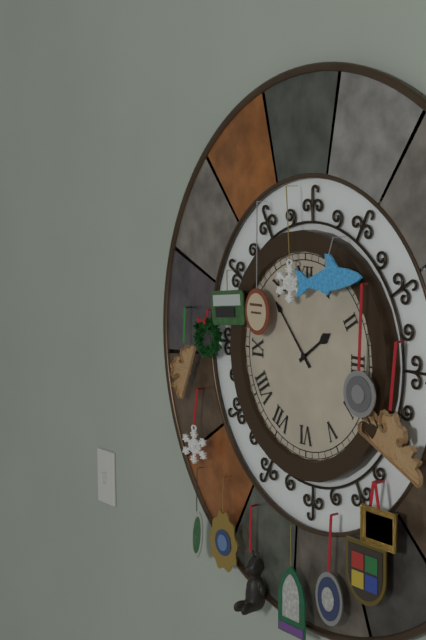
**1:53**
